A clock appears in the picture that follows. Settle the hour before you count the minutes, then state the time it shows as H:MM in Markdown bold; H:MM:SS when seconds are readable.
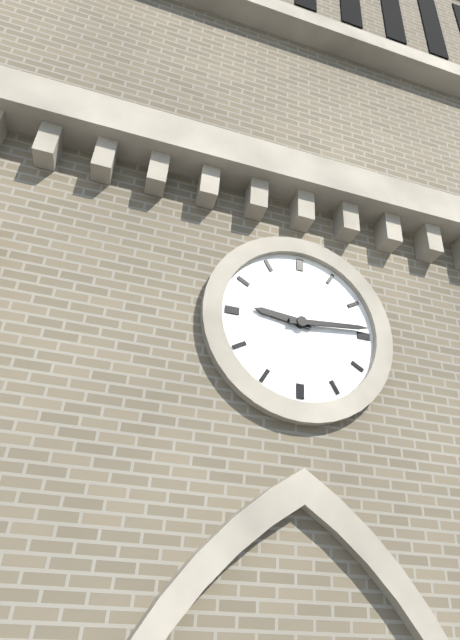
**9:14**
